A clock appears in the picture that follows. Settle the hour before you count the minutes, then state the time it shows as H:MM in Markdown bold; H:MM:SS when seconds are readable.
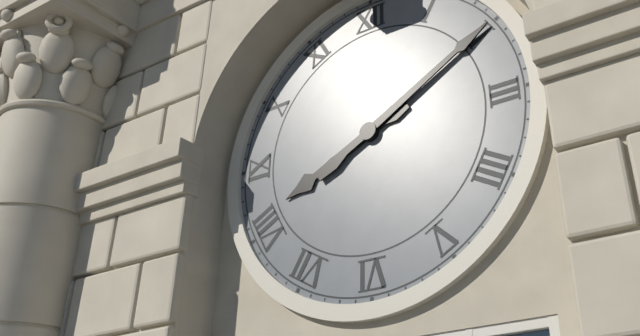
**8:10**
